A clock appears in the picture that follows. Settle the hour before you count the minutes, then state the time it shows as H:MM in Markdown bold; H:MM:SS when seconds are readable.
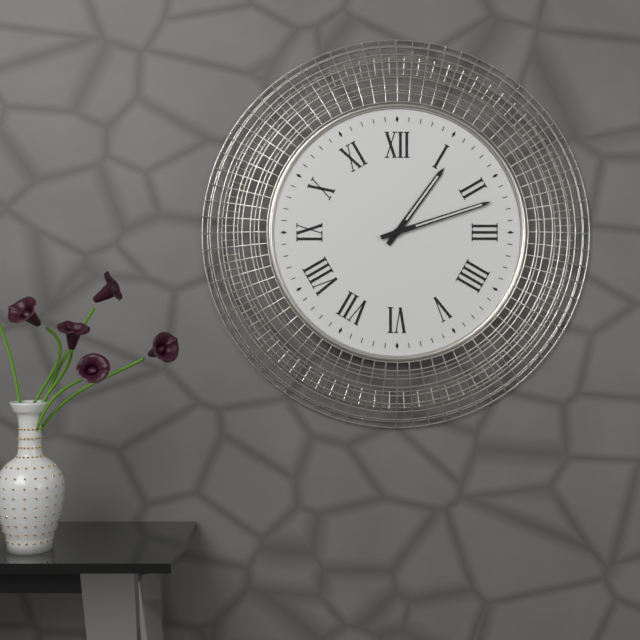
**1:12**
